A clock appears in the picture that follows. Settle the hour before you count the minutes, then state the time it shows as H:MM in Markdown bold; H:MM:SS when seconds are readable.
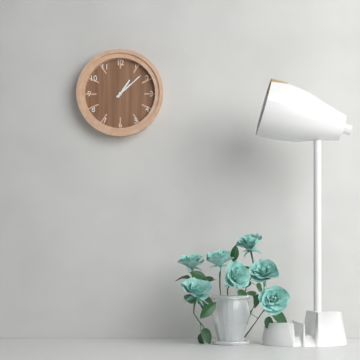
**1:08**
